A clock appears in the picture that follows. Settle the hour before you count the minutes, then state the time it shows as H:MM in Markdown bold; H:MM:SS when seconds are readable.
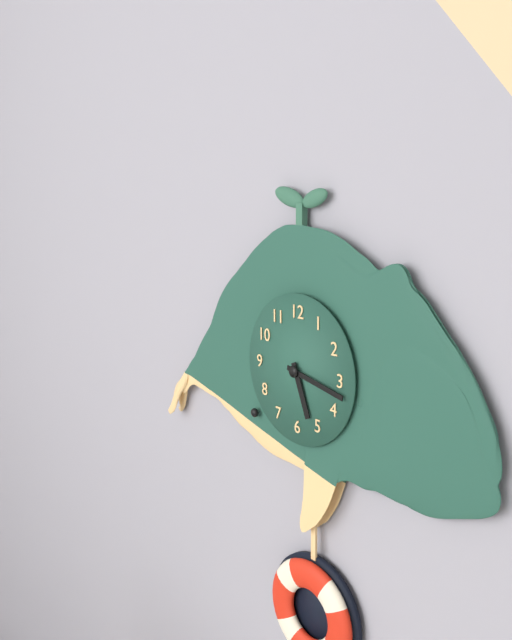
**5:17**
